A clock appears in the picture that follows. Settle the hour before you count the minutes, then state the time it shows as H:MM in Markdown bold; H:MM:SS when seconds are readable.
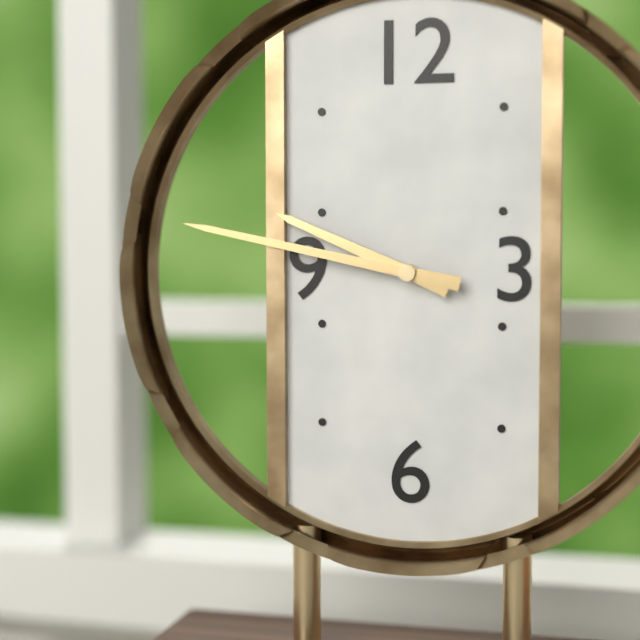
**9:47**
